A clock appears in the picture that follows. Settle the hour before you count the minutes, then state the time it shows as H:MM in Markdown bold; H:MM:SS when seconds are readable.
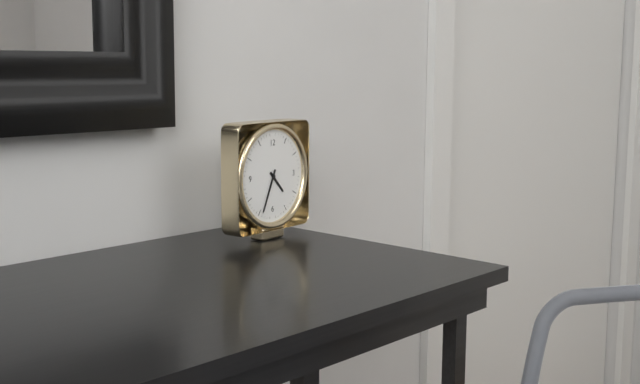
**4:34**
